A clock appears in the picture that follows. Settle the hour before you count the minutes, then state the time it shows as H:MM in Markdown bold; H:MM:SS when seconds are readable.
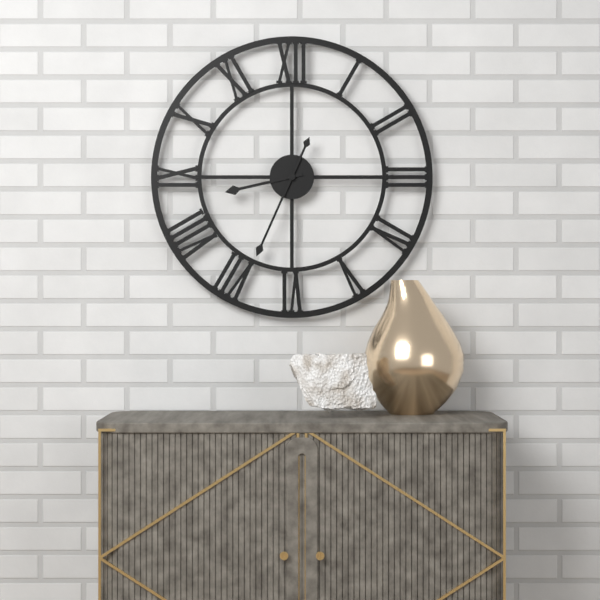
**8:34**
